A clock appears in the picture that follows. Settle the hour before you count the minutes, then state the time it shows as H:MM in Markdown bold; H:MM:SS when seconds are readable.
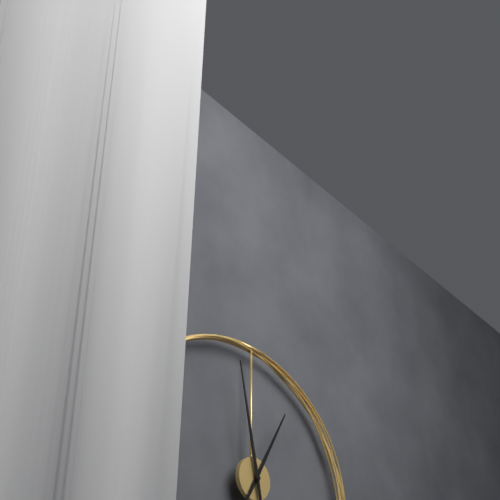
**12:58**
